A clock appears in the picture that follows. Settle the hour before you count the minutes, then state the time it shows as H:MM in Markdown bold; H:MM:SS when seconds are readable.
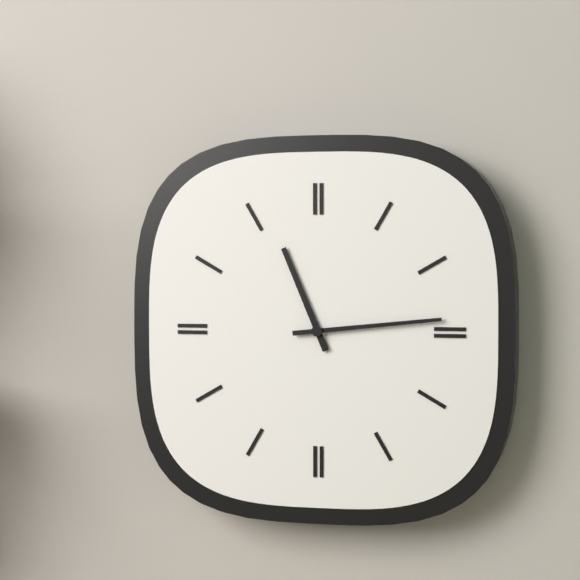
**11:14**
